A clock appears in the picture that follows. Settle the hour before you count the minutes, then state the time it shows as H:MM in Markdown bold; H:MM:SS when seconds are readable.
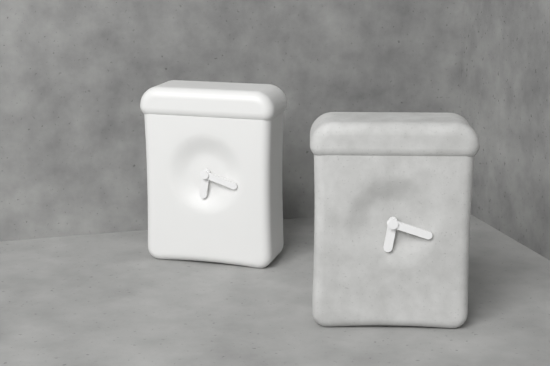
**6:18**
